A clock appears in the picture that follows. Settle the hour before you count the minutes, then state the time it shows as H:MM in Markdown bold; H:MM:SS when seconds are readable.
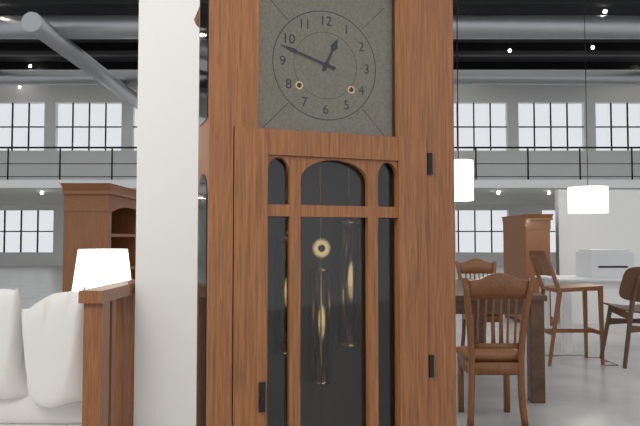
**12:48**
